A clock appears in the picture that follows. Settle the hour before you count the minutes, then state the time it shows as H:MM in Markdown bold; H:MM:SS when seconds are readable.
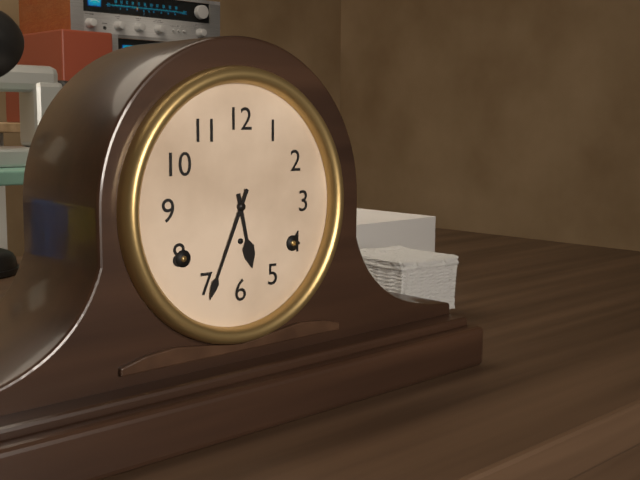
**5:34**
